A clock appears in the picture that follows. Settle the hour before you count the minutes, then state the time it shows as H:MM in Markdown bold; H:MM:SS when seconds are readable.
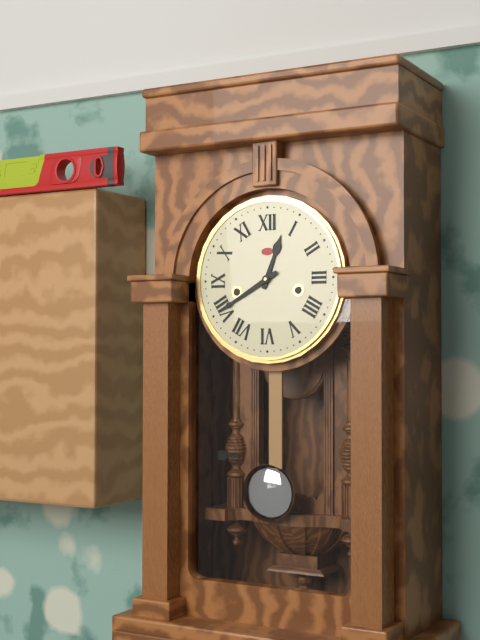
**12:40**
